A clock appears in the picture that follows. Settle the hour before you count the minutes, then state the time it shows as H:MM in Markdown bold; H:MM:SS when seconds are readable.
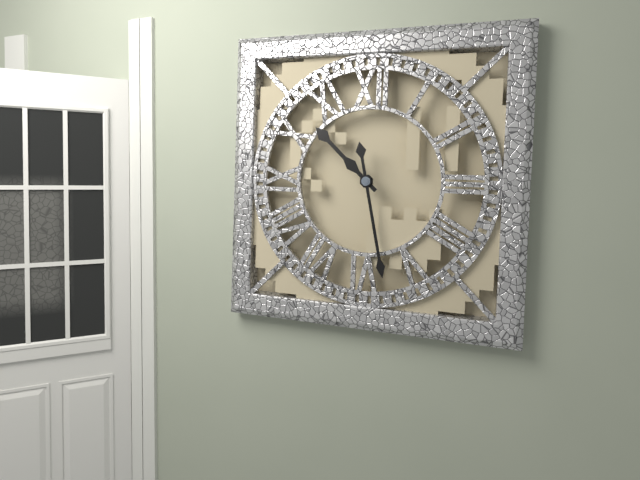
**10:28**
